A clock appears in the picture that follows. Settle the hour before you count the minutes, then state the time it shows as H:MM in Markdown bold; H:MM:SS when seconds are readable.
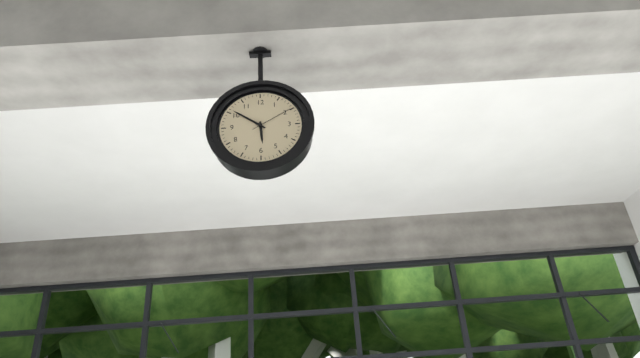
**5:51**
